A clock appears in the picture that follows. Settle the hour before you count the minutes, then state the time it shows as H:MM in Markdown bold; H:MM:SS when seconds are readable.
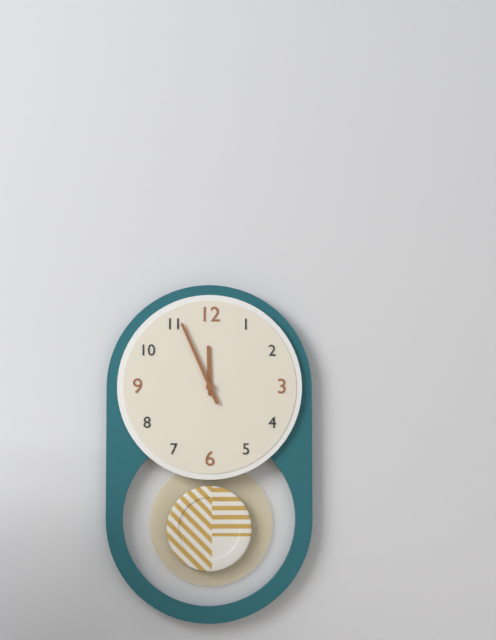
**11:56**
